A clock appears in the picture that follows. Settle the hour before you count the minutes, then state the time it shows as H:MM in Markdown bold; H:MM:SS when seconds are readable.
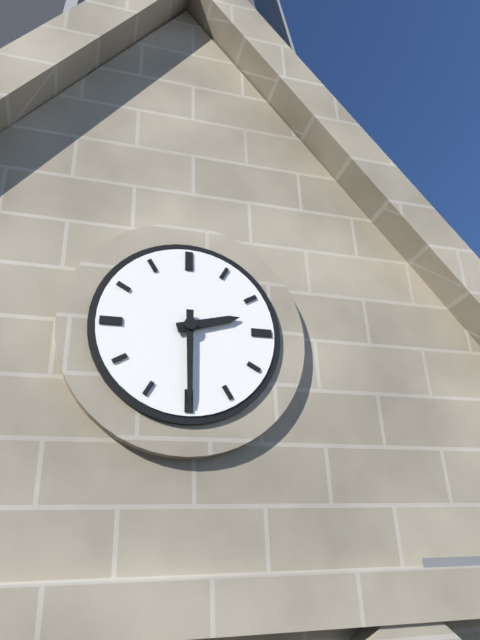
**2:30**
